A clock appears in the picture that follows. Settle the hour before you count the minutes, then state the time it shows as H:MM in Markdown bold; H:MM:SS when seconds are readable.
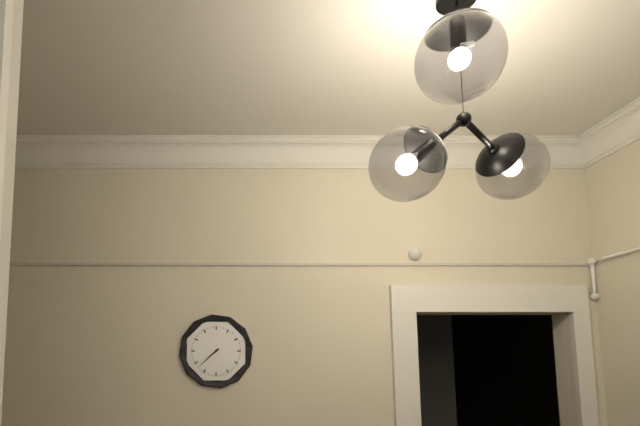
**7:38**
